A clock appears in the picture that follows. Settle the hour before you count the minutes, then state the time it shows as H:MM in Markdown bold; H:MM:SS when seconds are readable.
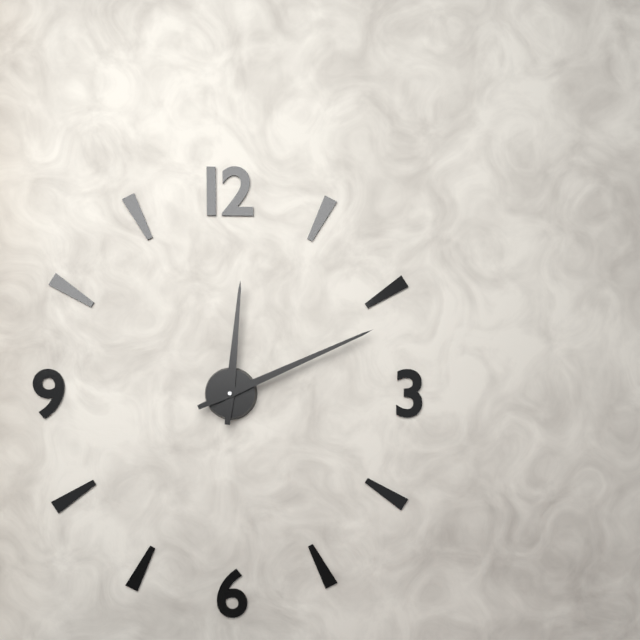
**12:11**
